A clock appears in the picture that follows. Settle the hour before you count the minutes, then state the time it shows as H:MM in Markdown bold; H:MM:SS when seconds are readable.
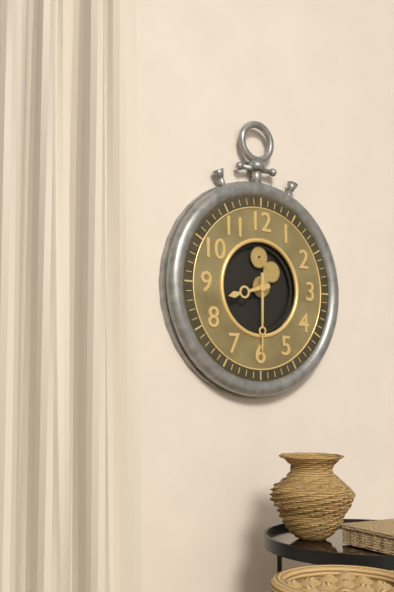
**8:30**
